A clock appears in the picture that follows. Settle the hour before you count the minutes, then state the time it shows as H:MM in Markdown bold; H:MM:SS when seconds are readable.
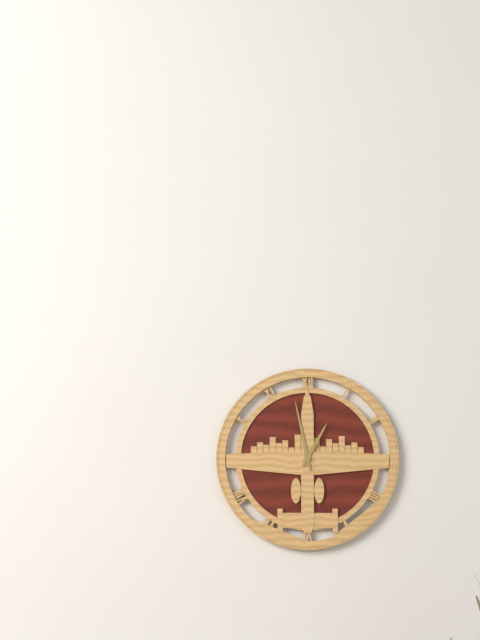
**12:58**
